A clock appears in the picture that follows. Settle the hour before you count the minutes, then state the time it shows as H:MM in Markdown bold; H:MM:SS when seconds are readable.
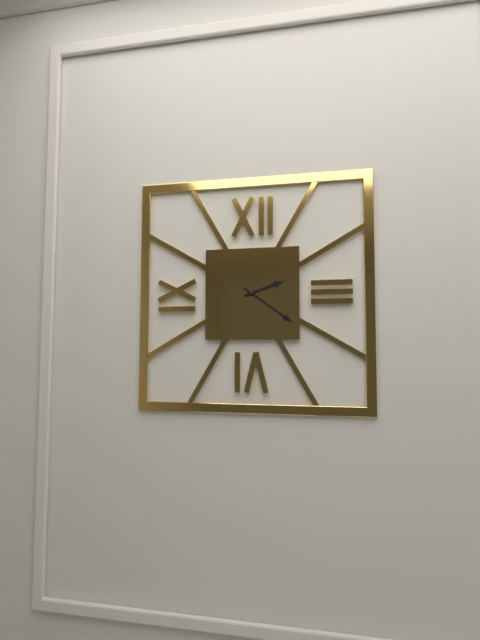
**2:21**
